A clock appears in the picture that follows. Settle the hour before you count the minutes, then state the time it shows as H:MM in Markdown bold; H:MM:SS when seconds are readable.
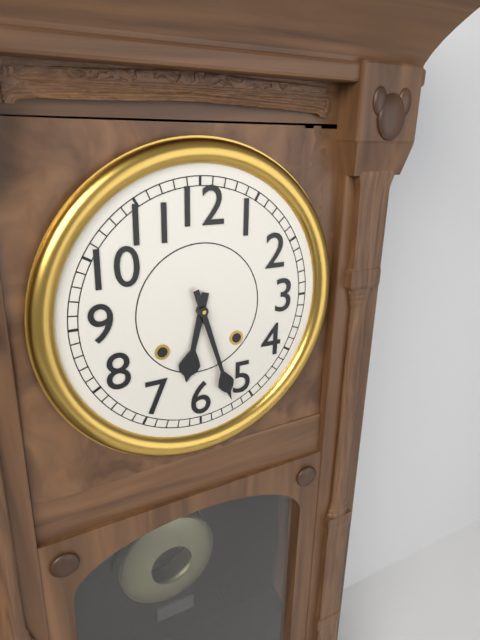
**6:27**
